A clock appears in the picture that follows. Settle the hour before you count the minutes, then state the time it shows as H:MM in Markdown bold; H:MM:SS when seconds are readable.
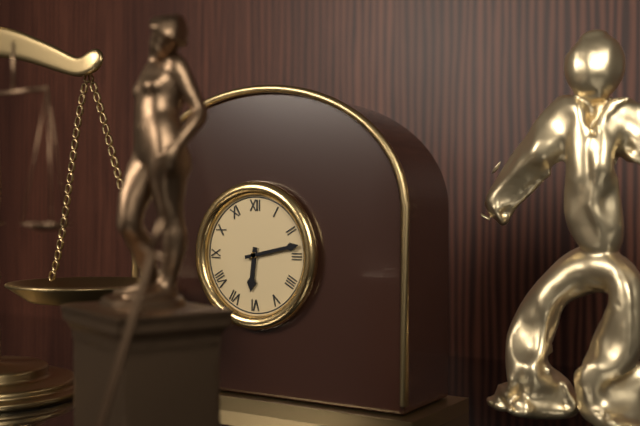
**6:13**
